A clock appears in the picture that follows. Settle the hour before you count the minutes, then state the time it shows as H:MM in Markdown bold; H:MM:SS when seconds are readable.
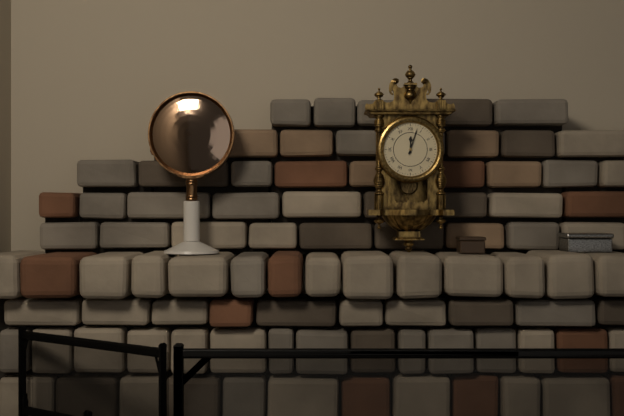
**12:03**
